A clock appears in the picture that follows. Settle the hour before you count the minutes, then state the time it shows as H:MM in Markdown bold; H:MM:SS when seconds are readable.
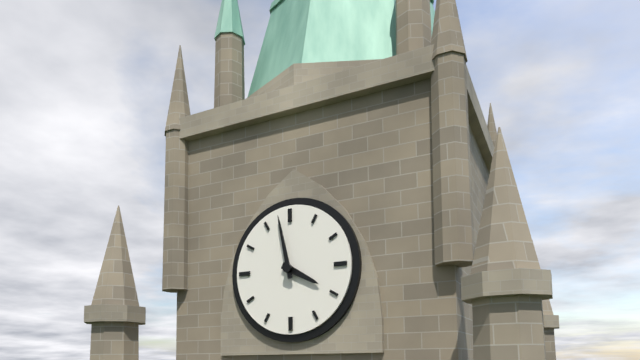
**3:58**
